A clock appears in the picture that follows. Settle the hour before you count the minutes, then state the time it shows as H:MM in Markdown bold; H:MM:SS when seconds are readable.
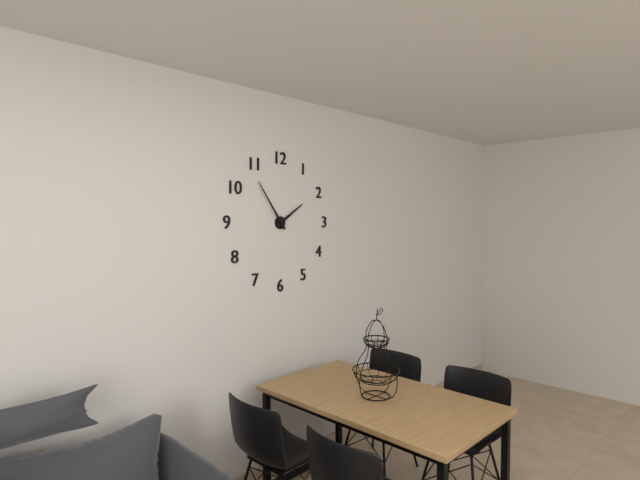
**1:54**
